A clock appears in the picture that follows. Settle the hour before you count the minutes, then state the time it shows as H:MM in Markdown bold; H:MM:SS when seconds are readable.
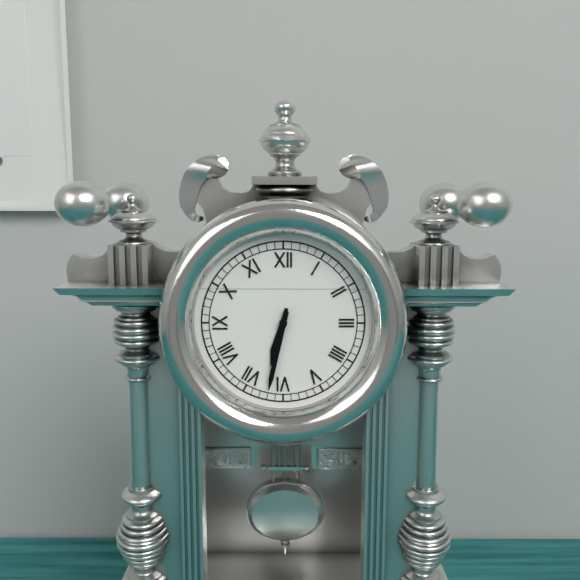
**6:32**
